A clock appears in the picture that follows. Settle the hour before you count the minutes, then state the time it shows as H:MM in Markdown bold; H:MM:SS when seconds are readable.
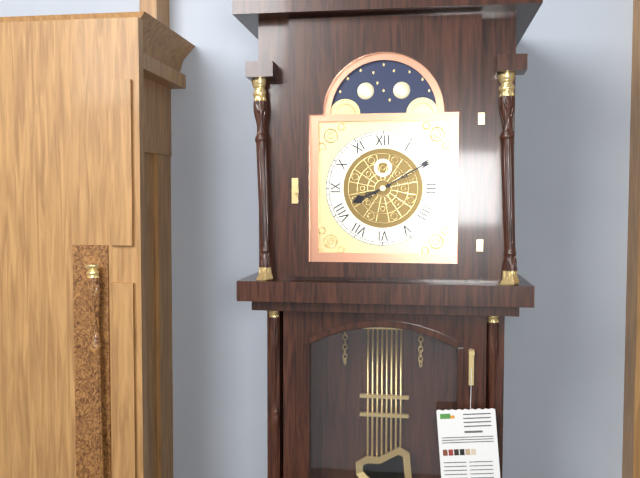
**8:10**
